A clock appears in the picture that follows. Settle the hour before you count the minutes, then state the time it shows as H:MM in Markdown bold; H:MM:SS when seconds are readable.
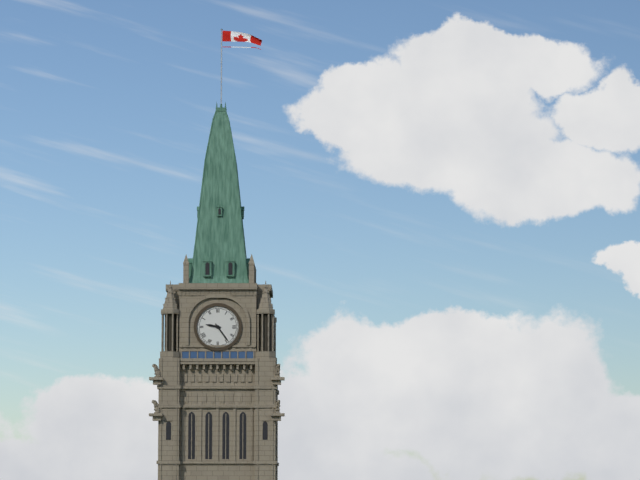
**9:24**
